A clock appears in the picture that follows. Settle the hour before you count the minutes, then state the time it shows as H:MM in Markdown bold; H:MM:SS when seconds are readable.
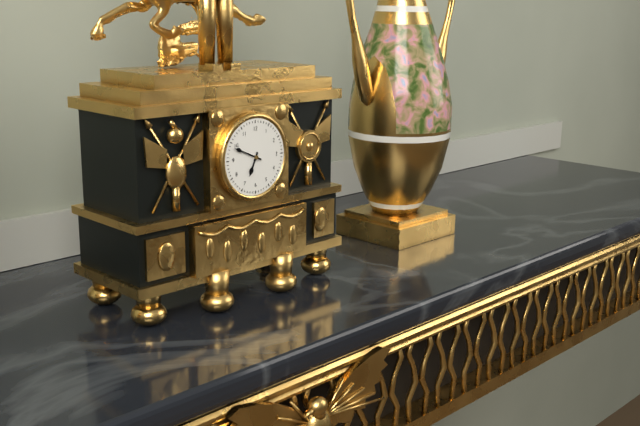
**6:49**
